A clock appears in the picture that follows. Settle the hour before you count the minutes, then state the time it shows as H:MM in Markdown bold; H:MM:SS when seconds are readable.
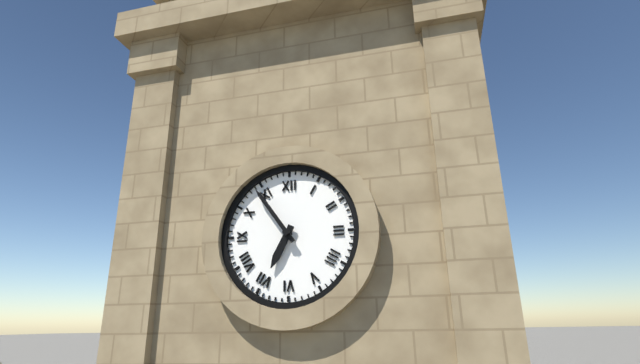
**6:54**
